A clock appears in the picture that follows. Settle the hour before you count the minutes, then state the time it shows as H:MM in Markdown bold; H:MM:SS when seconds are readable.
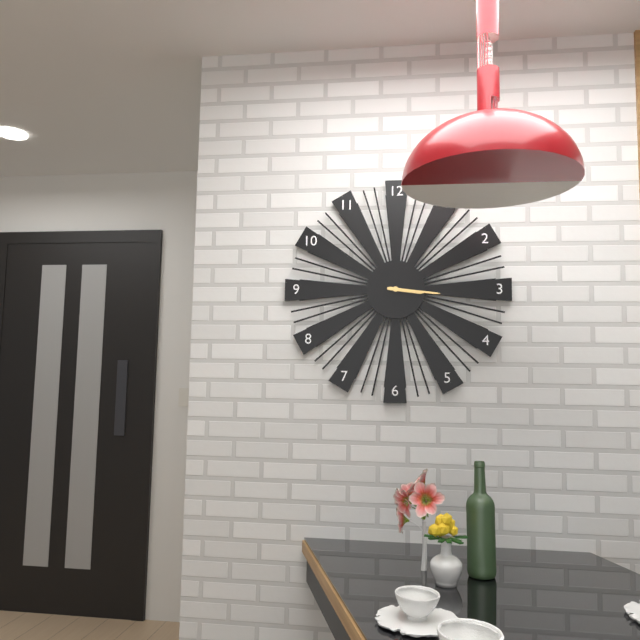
**3:16**
